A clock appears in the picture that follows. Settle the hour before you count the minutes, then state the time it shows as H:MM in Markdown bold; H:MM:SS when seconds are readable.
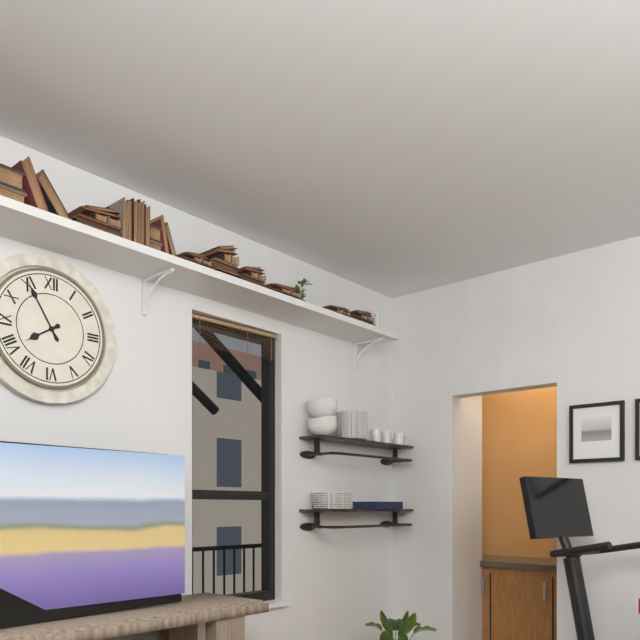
**7:55**
